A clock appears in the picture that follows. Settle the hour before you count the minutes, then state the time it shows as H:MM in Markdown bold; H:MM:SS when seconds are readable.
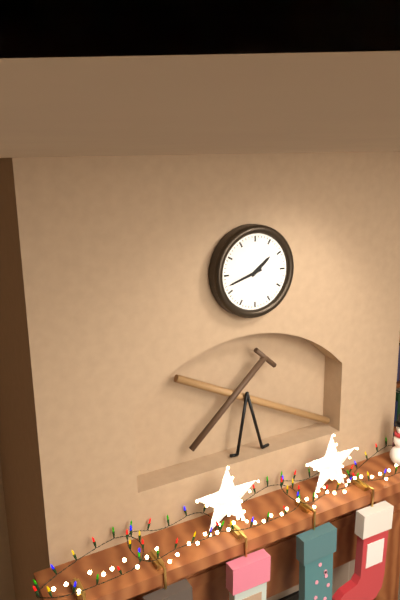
**1:42**
